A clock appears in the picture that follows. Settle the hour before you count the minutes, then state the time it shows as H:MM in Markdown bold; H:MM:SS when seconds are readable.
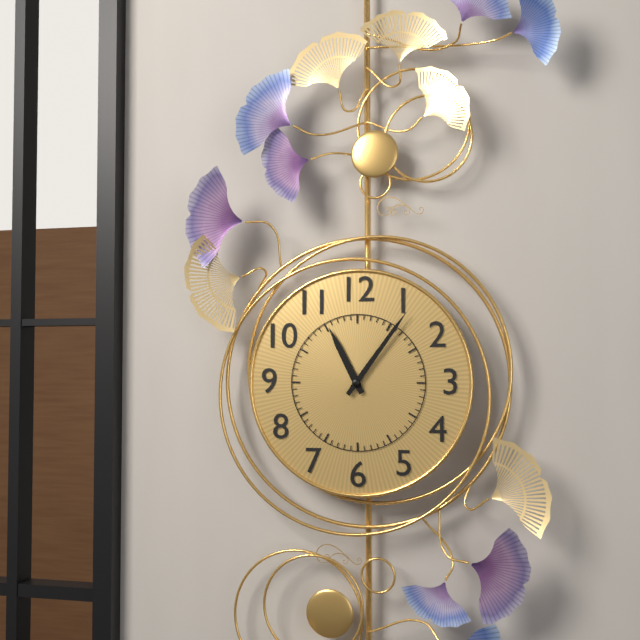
**11:06**
